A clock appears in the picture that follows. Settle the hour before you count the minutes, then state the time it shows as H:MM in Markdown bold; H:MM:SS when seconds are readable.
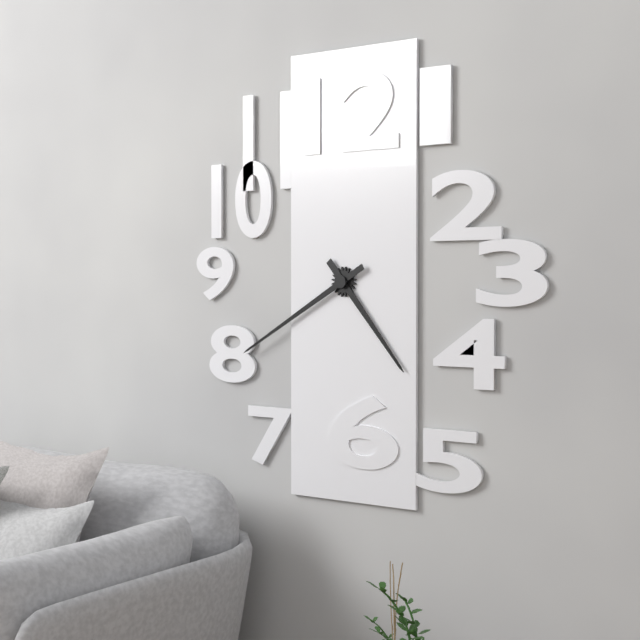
**4:40**
